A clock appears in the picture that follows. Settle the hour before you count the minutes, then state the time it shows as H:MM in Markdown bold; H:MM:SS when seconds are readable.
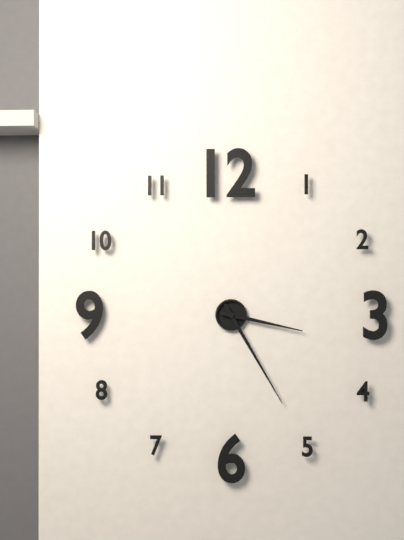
**3:25**
